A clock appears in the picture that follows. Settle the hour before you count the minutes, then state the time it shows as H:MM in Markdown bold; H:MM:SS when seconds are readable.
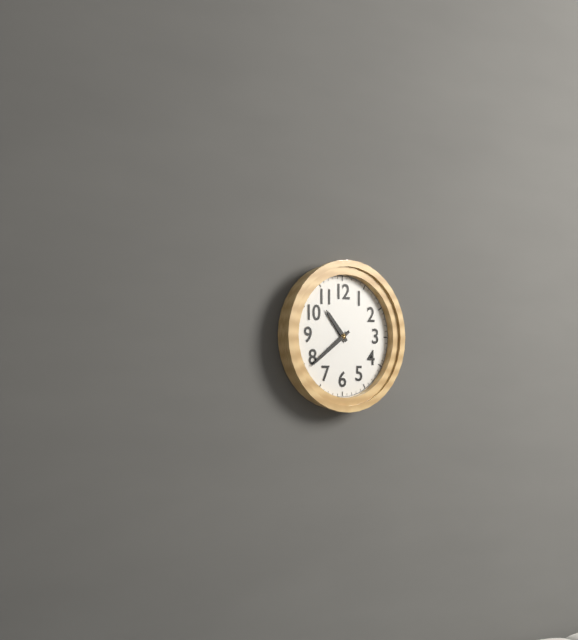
**10:39**
